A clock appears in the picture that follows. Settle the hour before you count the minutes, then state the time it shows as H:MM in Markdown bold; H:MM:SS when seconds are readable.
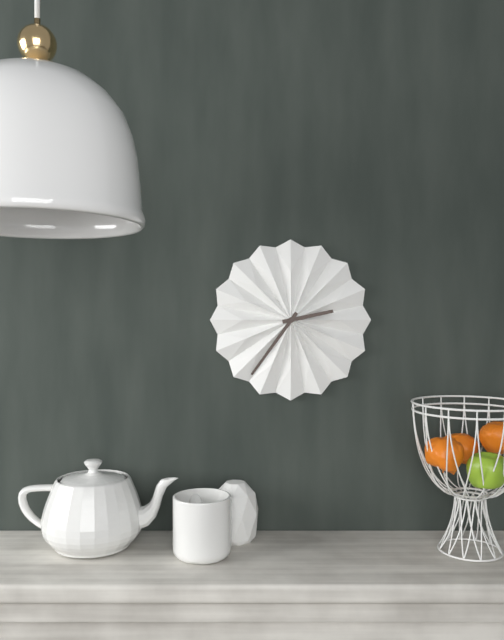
**2:36**
